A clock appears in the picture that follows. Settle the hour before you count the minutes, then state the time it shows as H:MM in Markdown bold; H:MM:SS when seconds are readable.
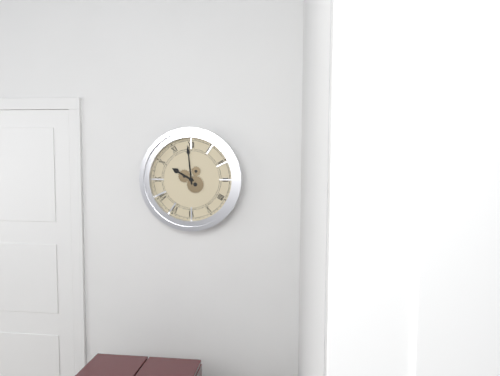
**9:59**
